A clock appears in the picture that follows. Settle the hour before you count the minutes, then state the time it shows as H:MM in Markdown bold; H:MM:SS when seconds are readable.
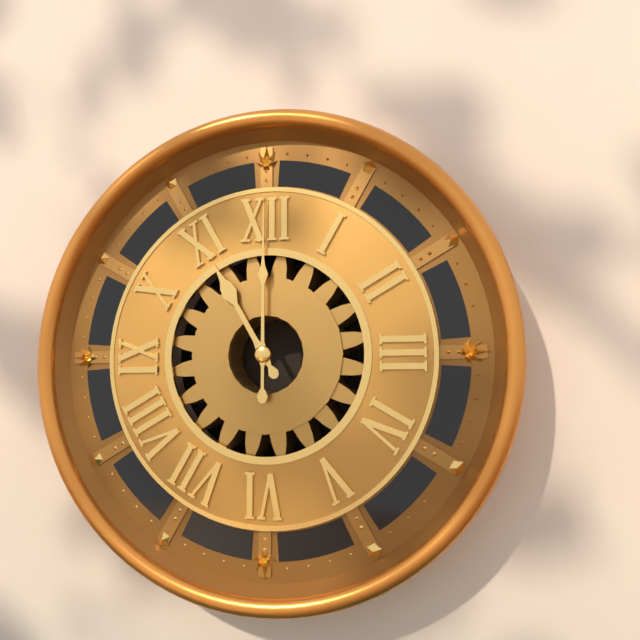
**11:00**
